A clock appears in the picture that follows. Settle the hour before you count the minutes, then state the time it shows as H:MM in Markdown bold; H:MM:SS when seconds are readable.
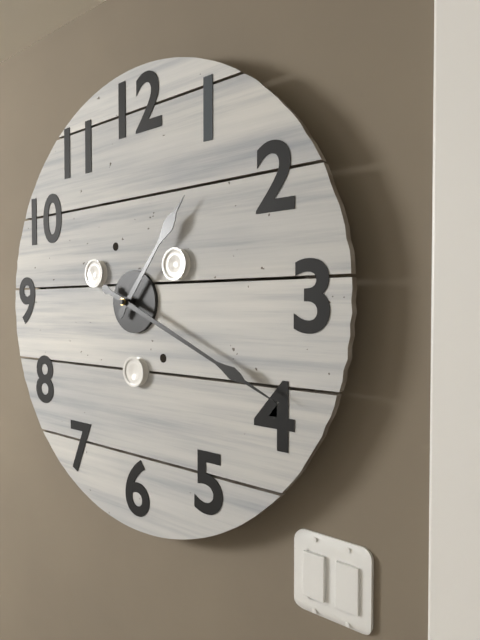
**1:19**
